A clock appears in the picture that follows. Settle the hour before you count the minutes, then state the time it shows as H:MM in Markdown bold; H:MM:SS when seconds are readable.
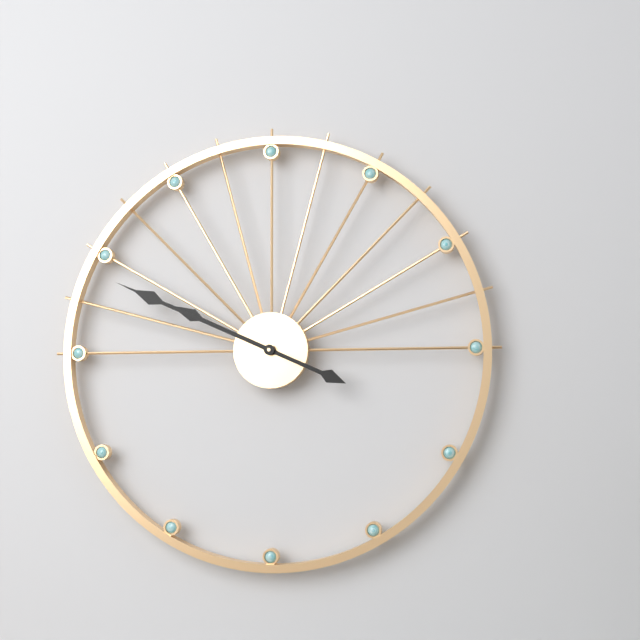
**9:49**
